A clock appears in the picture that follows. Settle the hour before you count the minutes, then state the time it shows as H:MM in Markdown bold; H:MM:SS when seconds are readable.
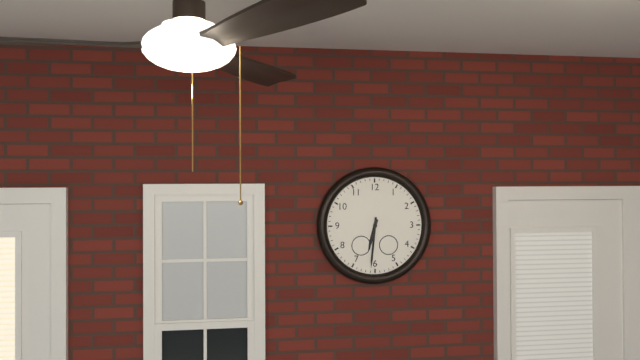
**6:31**
